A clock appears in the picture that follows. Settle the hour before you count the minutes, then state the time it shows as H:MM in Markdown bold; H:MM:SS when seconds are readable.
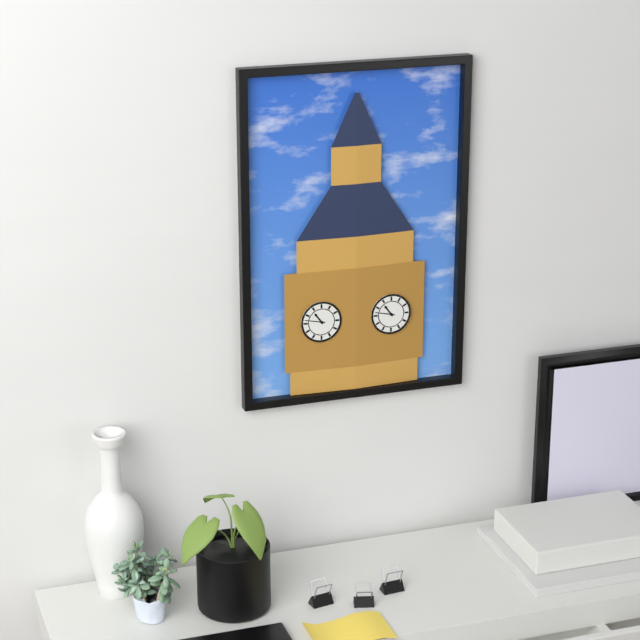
**10:47**
